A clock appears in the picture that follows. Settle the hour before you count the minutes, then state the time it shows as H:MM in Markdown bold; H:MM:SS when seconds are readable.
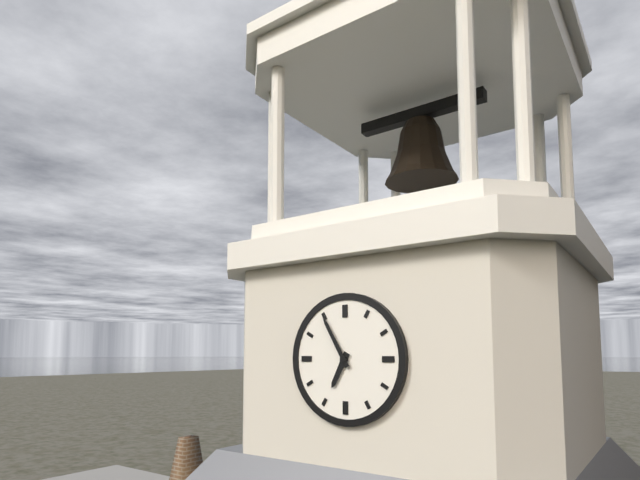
**6:55**
